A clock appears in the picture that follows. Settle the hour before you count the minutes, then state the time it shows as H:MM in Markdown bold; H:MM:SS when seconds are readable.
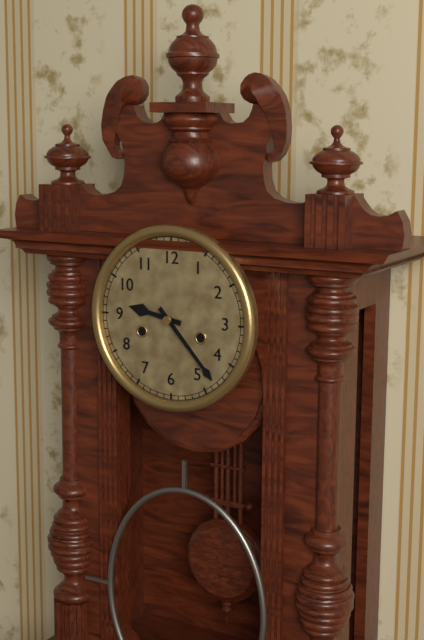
**9:23**
